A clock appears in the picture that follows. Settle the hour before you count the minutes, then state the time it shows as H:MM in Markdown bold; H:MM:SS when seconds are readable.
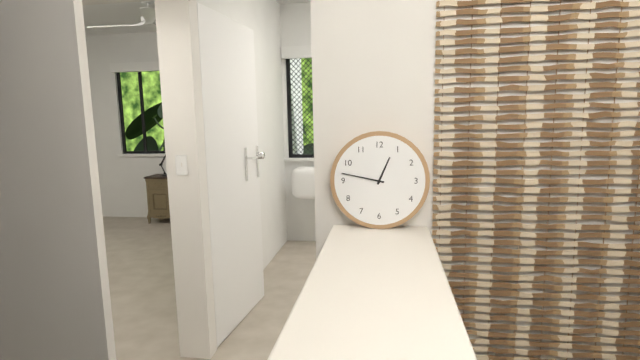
**12:47**
